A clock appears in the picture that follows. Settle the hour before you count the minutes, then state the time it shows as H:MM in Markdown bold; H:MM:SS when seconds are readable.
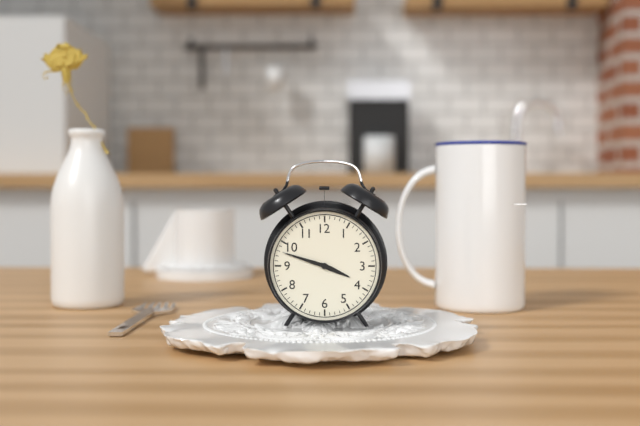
**3:48**
